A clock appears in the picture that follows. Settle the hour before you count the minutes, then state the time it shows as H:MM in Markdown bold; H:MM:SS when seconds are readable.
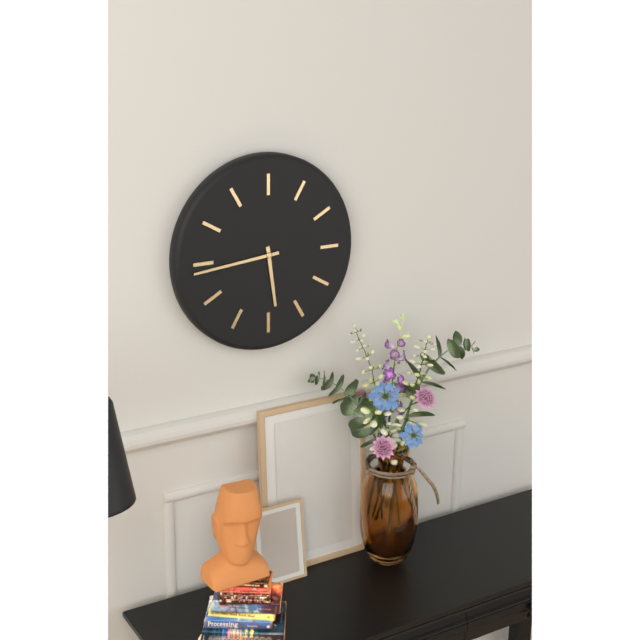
**5:44**
